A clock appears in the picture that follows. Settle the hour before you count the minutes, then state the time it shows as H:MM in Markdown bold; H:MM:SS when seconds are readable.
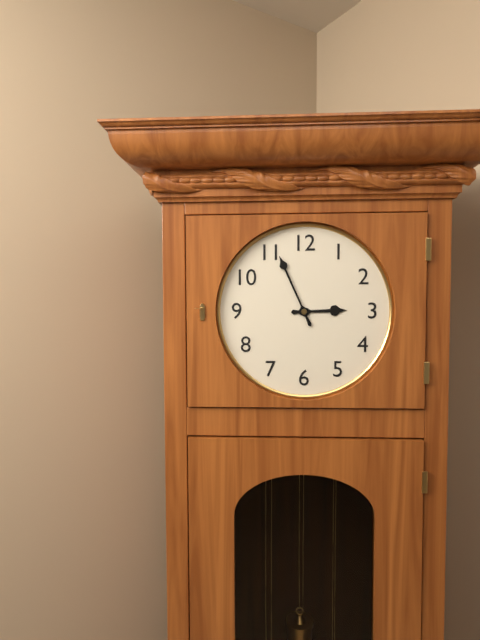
**2:56**
